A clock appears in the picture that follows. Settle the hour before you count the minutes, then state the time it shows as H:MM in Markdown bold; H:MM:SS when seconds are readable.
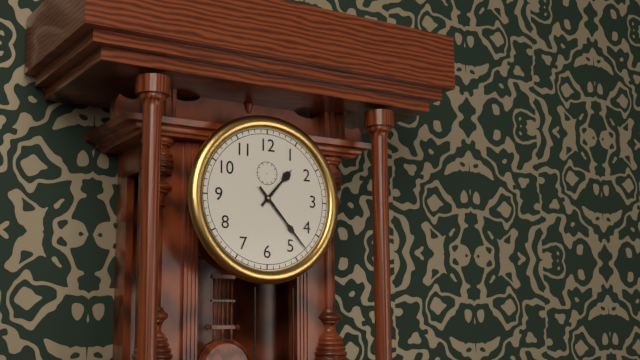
**1:23**
